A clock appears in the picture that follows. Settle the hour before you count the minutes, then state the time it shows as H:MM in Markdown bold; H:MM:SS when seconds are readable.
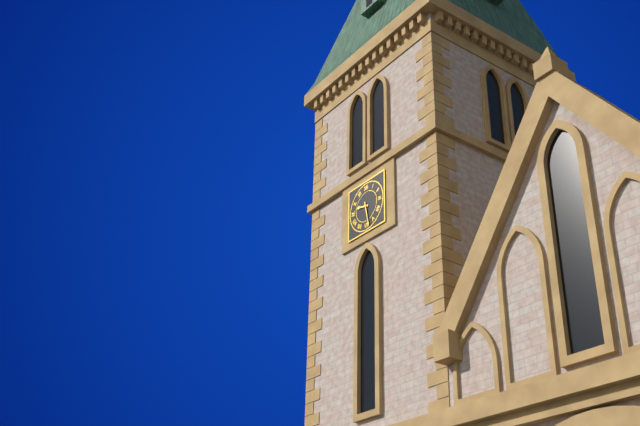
**9:28**
